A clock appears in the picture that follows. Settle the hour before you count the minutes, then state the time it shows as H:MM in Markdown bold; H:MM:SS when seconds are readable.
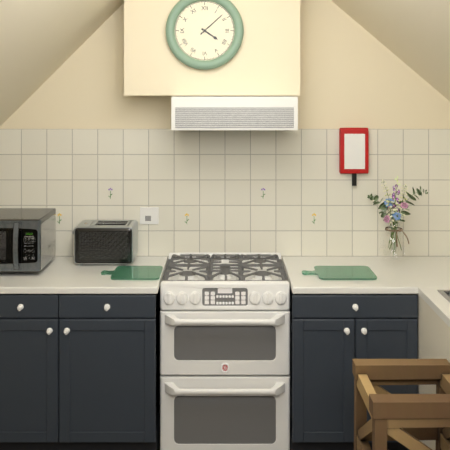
**4:08**
